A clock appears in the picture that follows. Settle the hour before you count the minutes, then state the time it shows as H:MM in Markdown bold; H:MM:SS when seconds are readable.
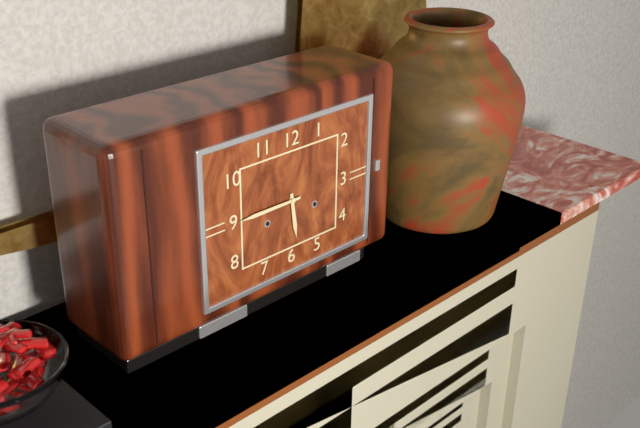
**5:45**
